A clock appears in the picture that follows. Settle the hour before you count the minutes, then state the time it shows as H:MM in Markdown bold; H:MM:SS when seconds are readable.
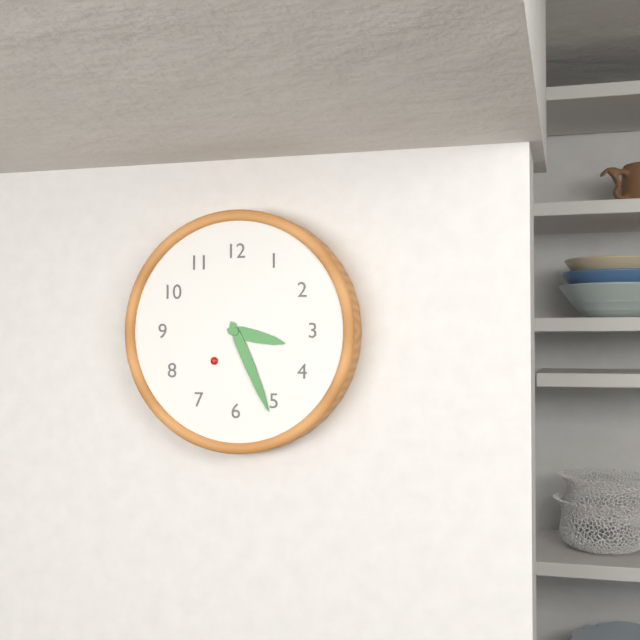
**3:26**
